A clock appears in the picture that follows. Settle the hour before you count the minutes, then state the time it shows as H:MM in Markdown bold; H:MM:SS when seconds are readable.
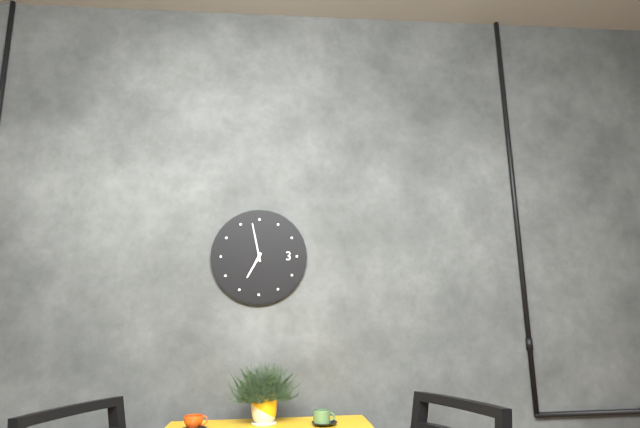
**6:58**
